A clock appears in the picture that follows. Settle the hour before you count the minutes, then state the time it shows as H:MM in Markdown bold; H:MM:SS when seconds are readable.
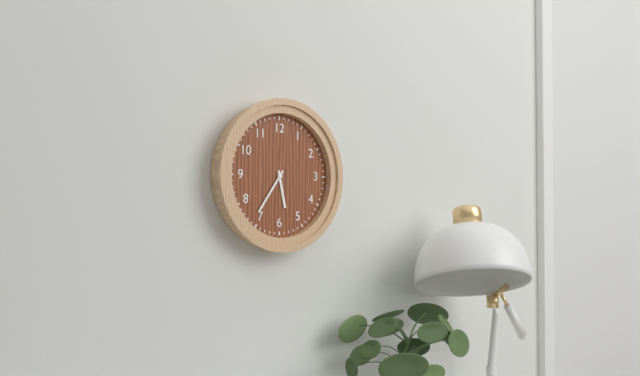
**5:36**
